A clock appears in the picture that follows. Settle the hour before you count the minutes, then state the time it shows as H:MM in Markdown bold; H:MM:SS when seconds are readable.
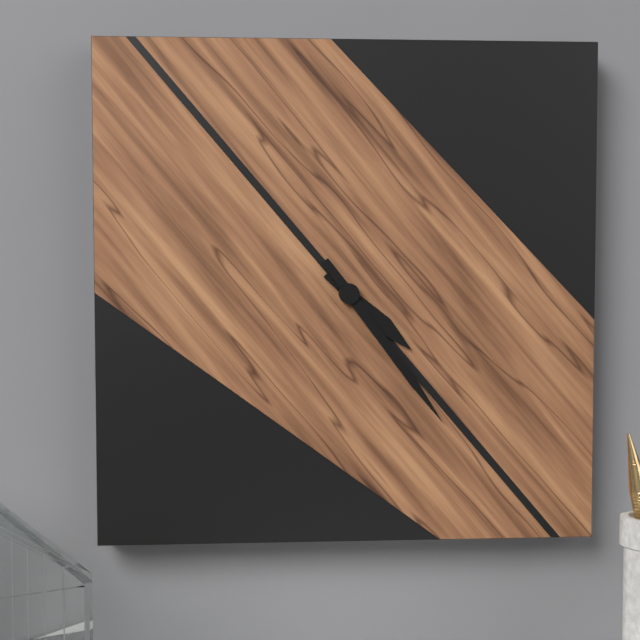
**4:24**
